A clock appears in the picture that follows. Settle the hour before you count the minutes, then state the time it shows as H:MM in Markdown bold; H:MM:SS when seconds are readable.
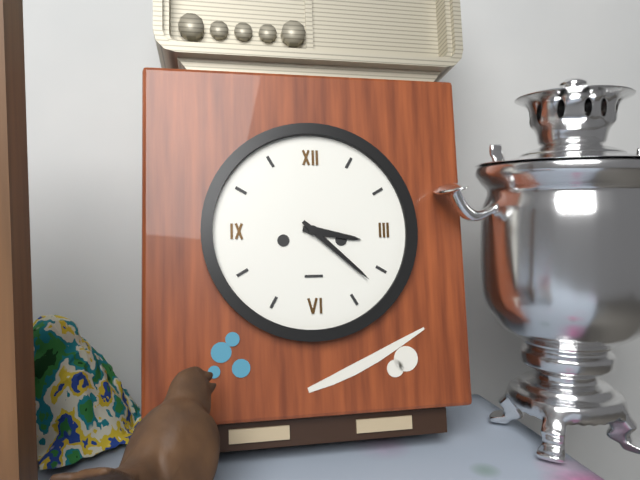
**3:22**
